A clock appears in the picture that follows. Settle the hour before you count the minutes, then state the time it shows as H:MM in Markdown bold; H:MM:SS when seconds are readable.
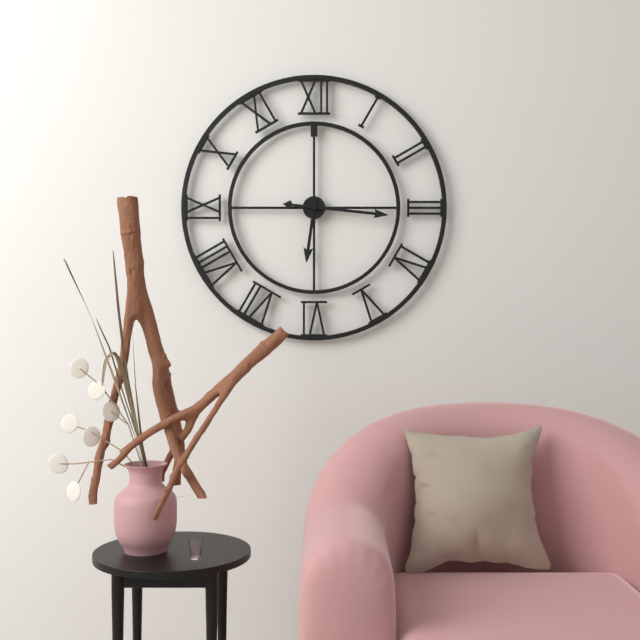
**6:16**
